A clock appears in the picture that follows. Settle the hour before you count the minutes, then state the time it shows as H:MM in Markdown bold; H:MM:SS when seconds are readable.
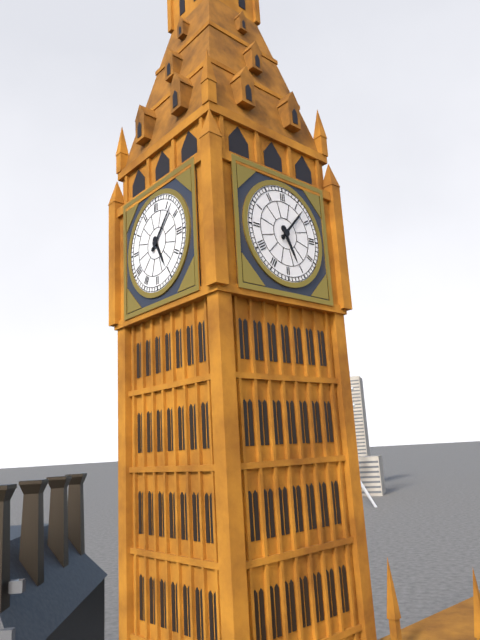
**5:07**
